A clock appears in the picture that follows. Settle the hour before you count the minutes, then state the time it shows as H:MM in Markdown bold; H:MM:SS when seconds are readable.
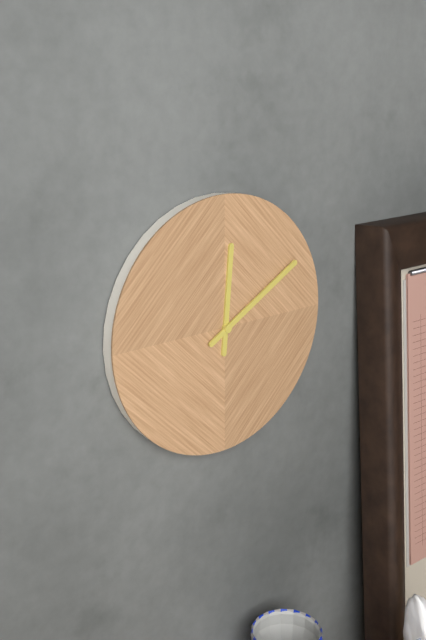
**12:10**
